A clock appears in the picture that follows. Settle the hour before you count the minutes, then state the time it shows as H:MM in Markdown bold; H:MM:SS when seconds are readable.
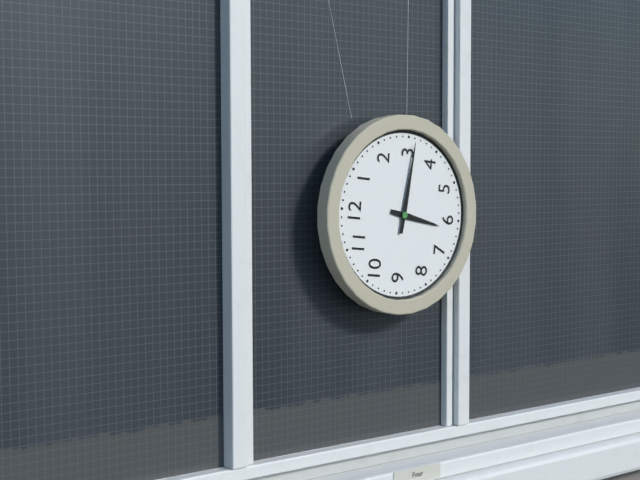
**6:16**
